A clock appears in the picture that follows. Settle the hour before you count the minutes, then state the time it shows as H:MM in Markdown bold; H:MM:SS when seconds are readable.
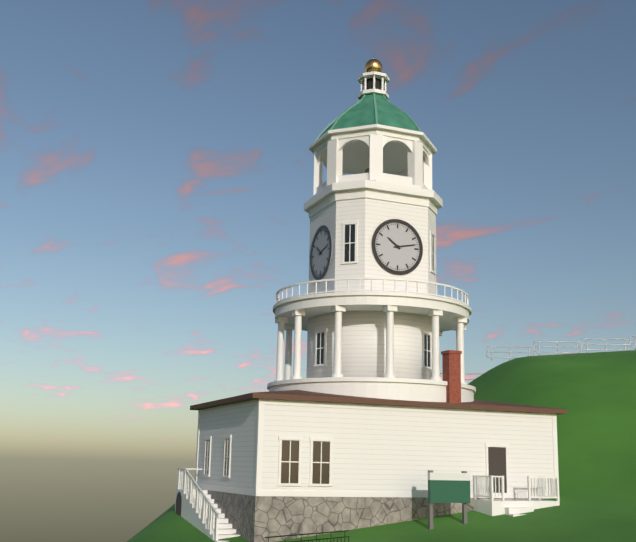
**10:13**
